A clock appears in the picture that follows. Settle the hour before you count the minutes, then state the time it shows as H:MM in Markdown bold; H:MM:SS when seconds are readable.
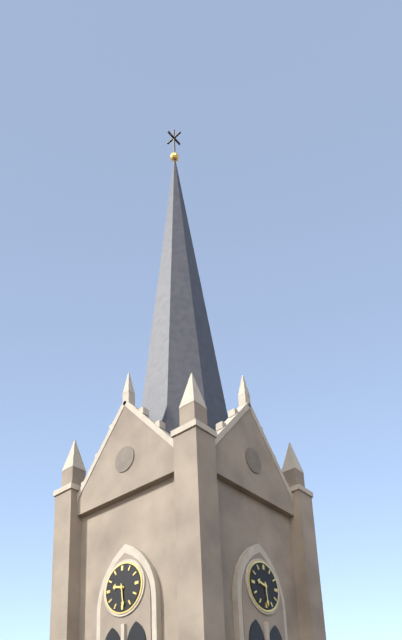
**9:29**
